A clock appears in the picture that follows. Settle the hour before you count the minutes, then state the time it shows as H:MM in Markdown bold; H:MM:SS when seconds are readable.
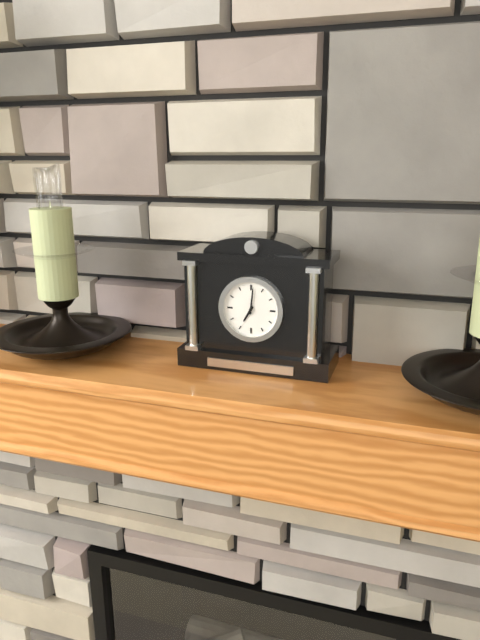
**7:01**
